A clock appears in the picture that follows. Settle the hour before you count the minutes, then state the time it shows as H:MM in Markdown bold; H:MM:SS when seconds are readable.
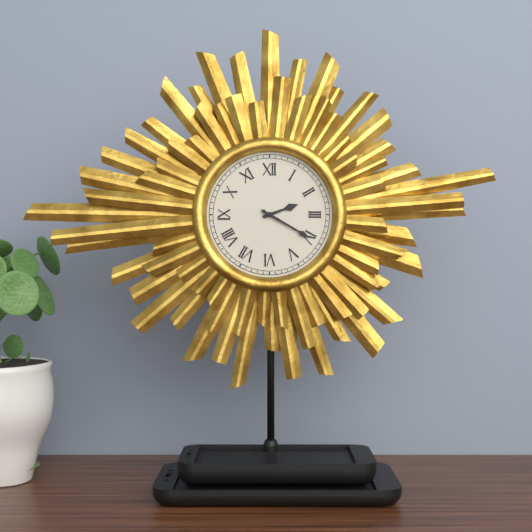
**2:20**
